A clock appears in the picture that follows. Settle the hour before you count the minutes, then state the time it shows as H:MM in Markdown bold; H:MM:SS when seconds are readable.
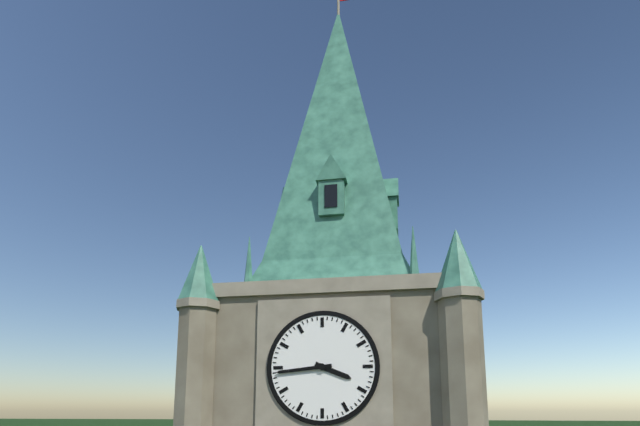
**3:44**
